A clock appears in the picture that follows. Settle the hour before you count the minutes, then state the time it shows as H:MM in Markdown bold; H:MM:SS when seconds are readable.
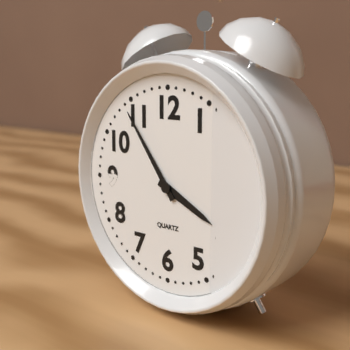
**3:54**
